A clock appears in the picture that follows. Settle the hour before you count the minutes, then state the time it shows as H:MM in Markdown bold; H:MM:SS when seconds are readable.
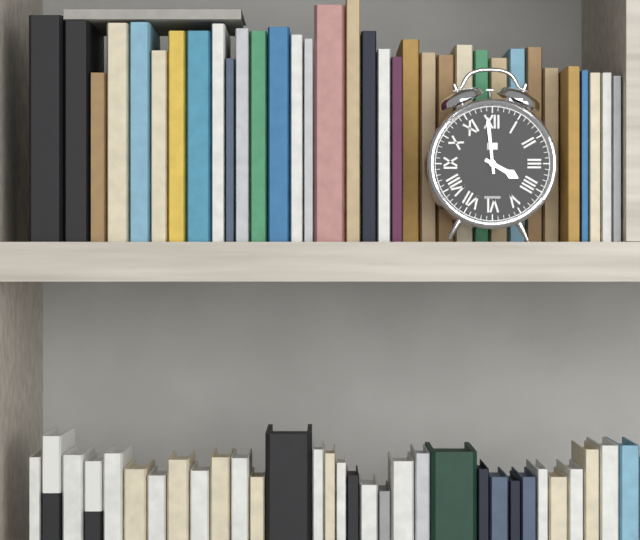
**3:59**
